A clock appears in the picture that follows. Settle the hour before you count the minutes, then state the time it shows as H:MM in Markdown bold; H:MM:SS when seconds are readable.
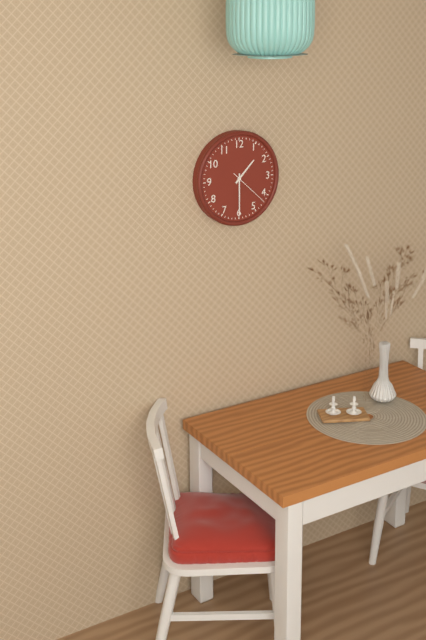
**1:30**
